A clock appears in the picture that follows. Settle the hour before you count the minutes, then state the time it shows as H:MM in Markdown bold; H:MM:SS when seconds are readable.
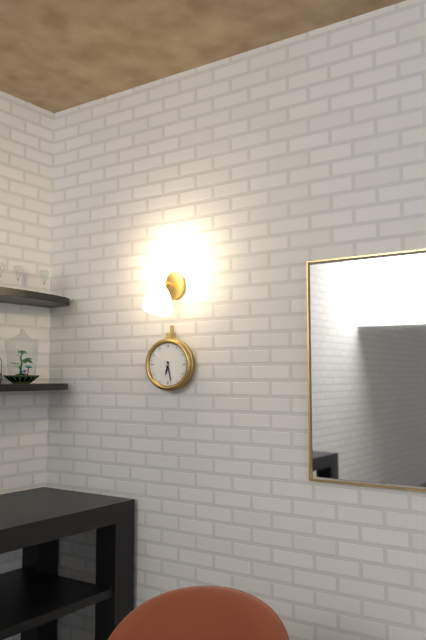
**6:28**
